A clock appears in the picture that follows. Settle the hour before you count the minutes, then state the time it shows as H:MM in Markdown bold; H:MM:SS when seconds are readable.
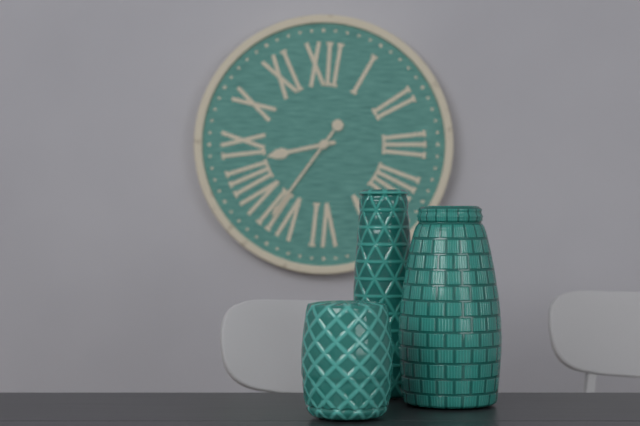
**8:36**
